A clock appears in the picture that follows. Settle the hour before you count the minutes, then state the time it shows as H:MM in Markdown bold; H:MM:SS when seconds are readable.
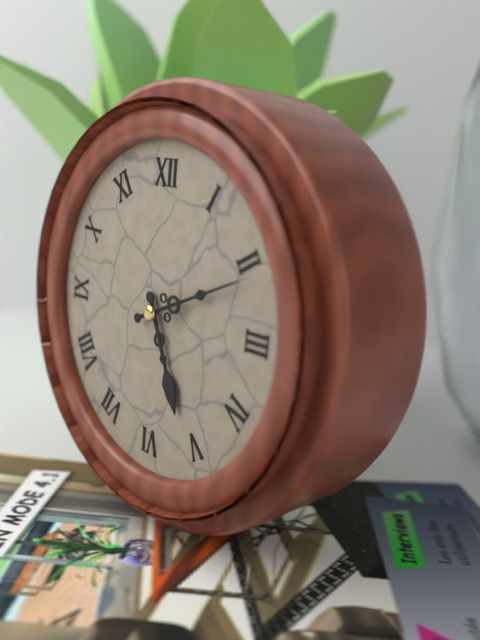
**5:11**
